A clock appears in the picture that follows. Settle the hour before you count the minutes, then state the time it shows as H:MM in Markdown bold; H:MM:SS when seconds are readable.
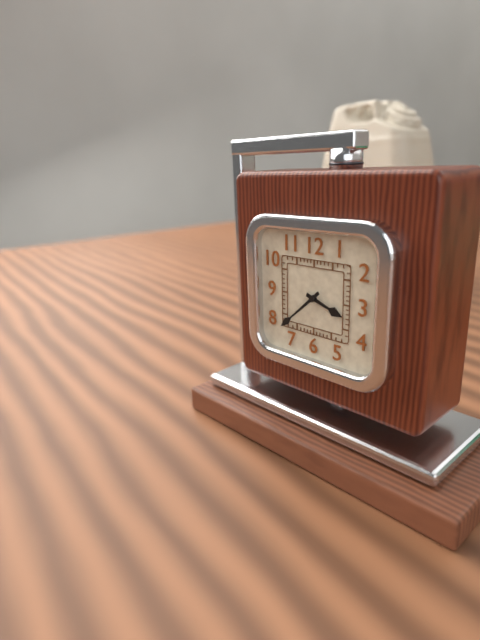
**3:38**
